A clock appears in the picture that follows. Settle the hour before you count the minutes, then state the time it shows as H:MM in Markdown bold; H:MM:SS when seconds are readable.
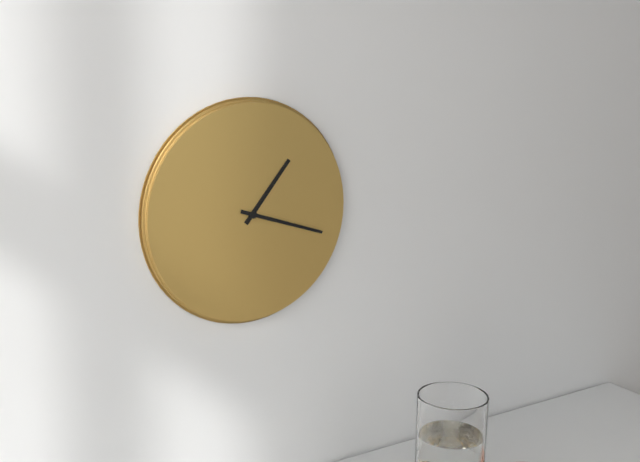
**1:18**
